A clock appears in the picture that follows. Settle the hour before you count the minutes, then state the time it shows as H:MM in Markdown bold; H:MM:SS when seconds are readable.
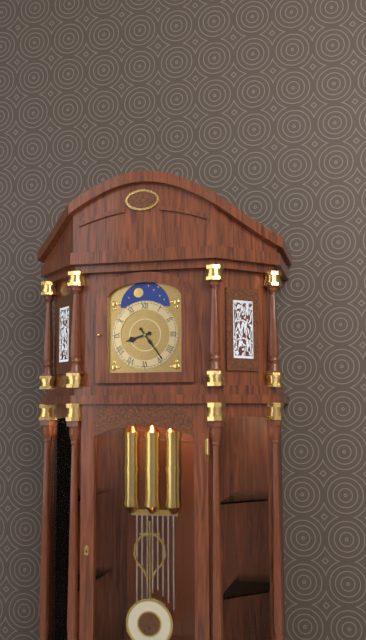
**8:24**
